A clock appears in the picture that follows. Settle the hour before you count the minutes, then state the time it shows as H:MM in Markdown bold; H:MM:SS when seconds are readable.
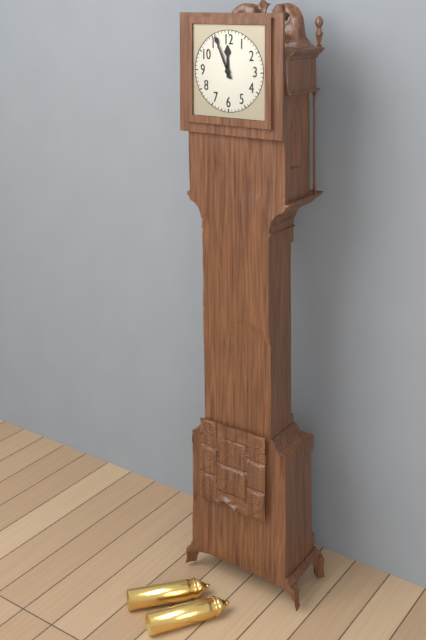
**11:56**
